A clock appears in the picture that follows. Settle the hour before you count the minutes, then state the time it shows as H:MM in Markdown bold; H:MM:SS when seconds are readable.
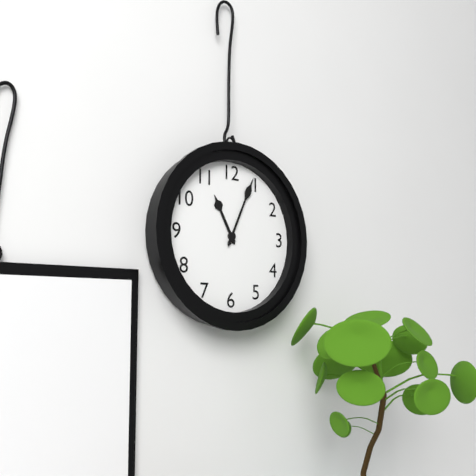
**11:04**
